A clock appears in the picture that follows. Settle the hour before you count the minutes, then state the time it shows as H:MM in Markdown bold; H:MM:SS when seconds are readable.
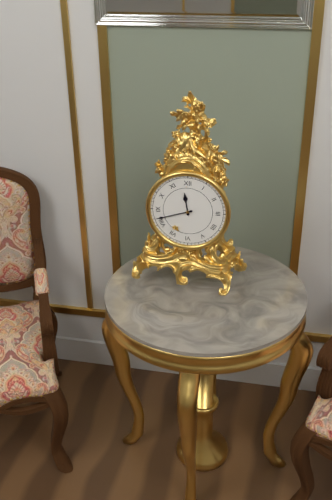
**11:42**
